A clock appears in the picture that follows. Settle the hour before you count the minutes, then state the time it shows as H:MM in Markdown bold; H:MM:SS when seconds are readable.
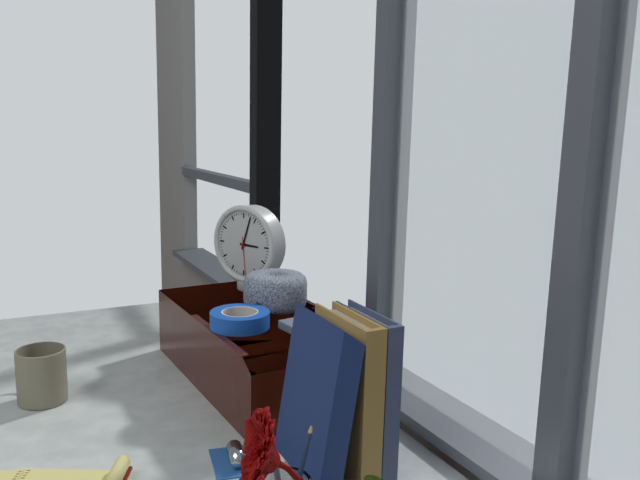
**3:03**
